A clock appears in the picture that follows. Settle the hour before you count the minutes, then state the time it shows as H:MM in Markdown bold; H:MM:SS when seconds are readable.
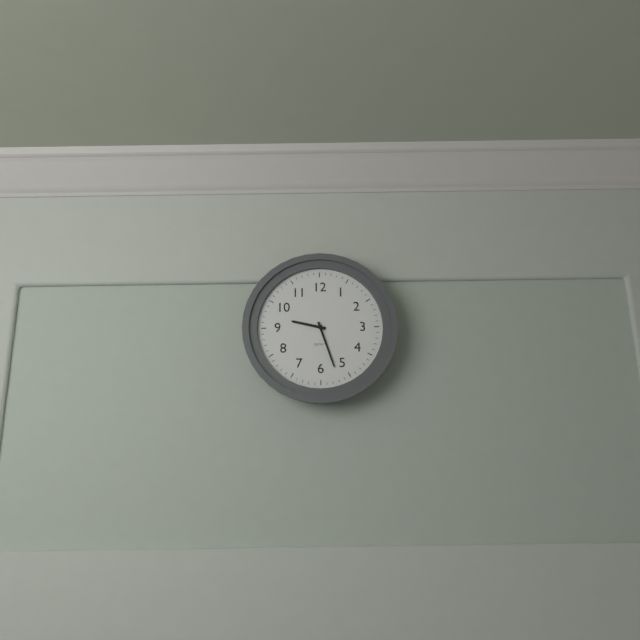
**9:27**
